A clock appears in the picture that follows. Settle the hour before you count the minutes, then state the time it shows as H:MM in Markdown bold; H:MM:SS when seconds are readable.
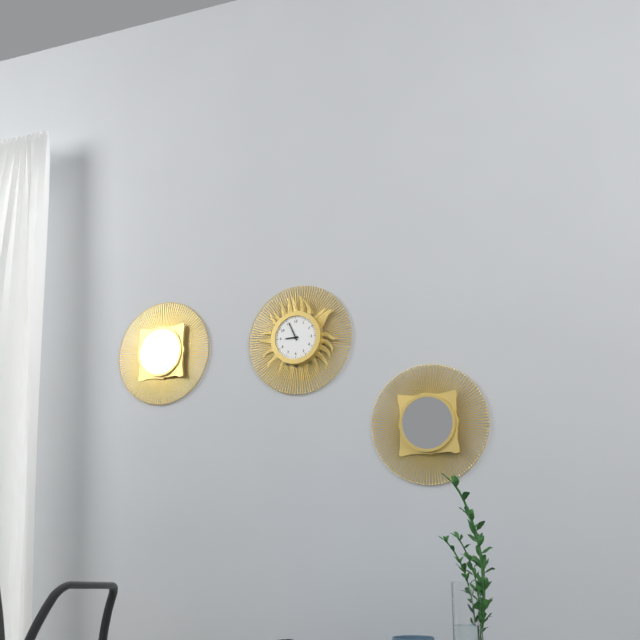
**8:56**
